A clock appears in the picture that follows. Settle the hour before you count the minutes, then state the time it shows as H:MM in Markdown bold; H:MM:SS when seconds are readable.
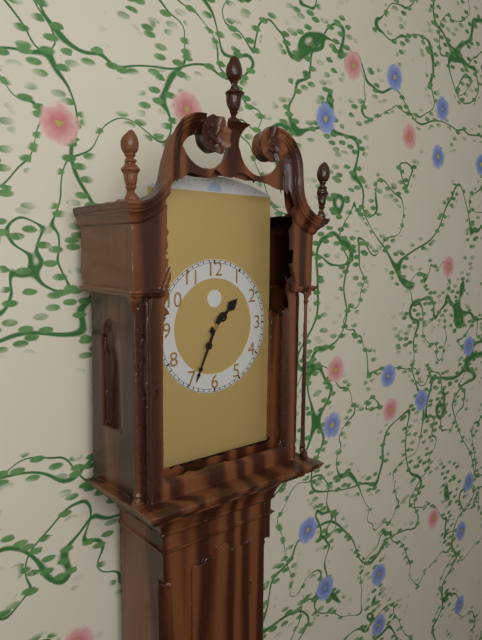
**1:34**
